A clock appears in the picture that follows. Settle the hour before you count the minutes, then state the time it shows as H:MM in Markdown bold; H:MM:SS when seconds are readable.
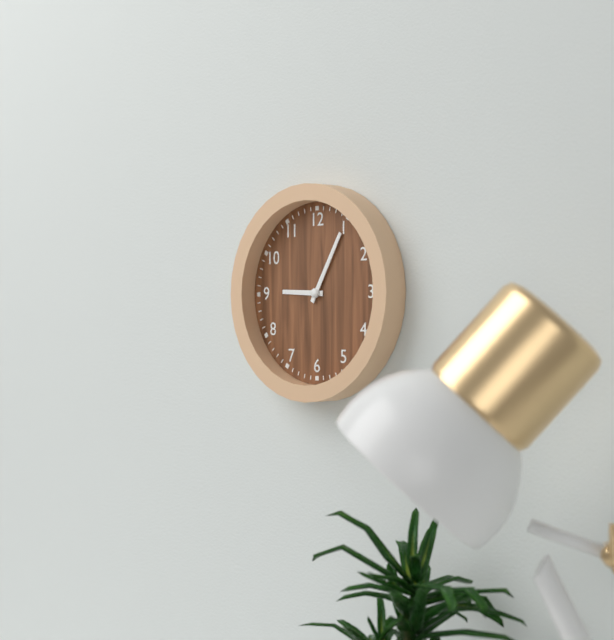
**9:05**
